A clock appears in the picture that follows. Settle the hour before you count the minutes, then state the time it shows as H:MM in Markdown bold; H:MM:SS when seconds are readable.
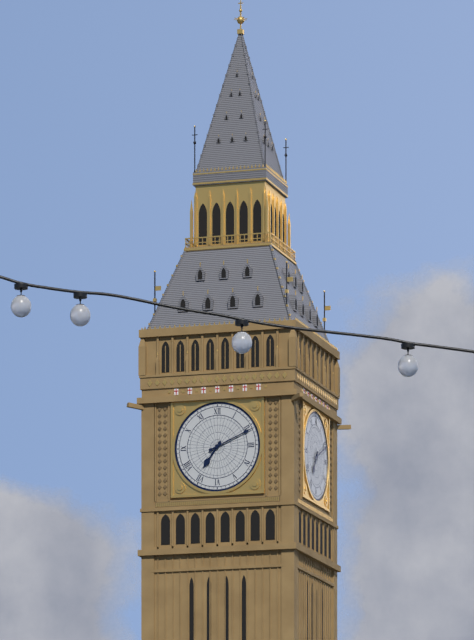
**7:11**
